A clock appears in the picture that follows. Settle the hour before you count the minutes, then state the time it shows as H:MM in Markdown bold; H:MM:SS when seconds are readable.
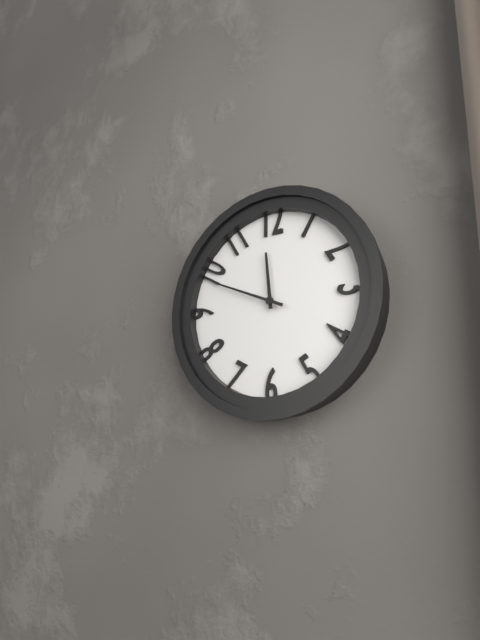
**11:49**
